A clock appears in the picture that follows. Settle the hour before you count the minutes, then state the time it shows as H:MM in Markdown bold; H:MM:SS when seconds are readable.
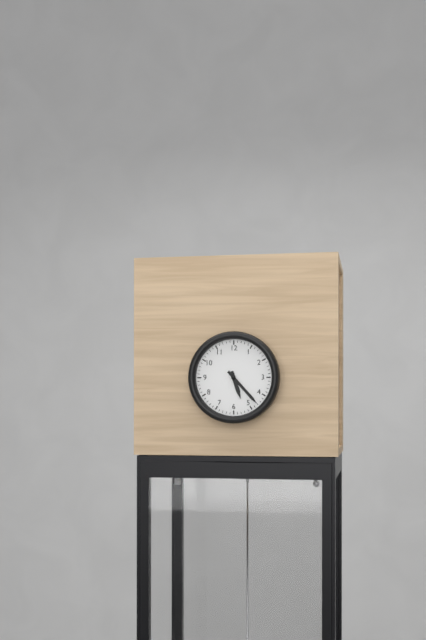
**5:23**
